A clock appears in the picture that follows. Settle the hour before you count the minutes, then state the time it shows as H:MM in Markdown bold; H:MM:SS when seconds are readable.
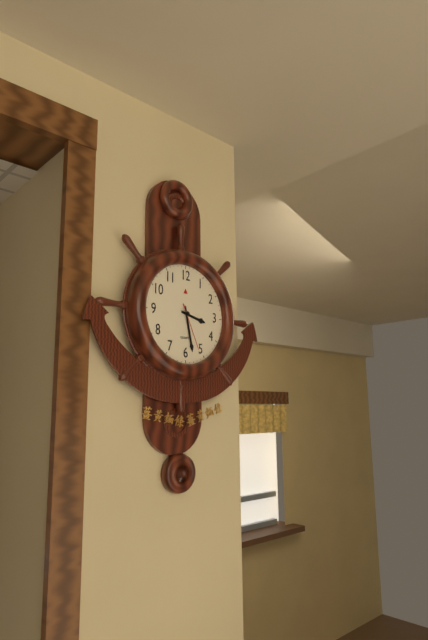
**3:28**
